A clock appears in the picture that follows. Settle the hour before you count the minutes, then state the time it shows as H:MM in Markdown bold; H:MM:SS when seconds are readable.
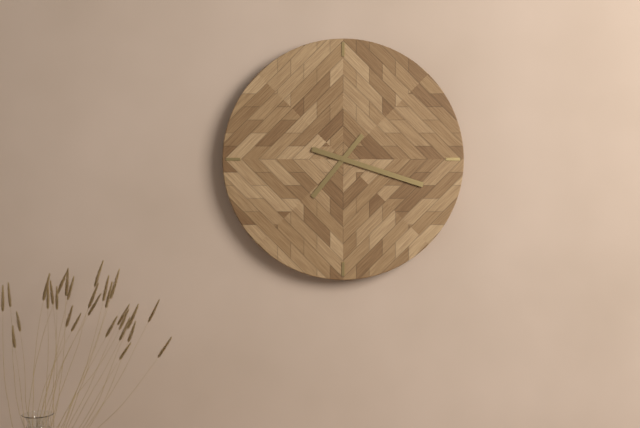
**7:18**
